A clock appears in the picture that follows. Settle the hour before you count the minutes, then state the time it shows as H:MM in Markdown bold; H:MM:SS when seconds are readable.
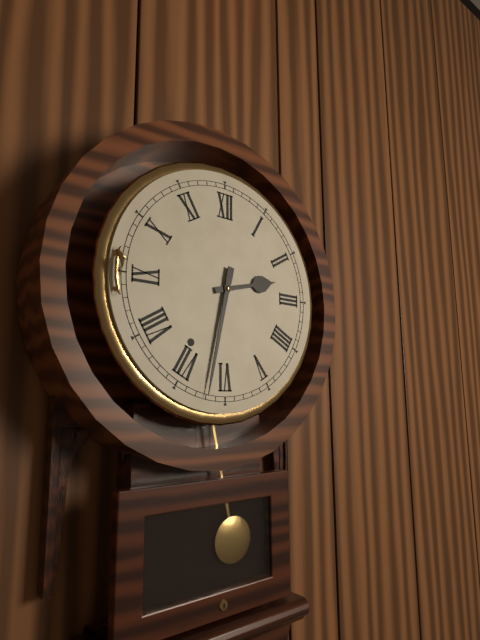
**2:32**
